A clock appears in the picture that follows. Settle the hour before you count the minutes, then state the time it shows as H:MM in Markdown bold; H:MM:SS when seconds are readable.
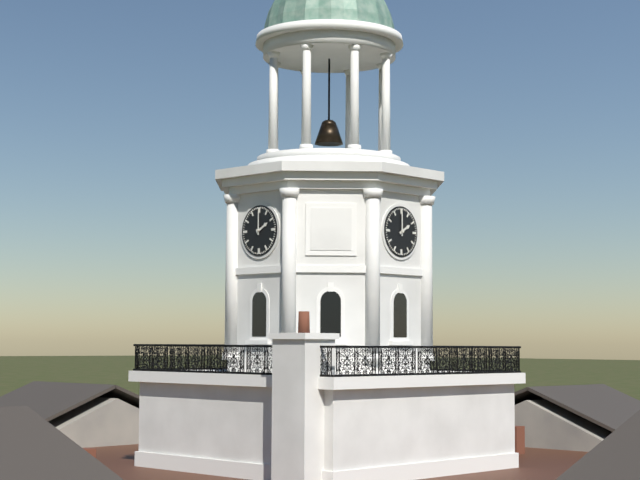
**2:00**
